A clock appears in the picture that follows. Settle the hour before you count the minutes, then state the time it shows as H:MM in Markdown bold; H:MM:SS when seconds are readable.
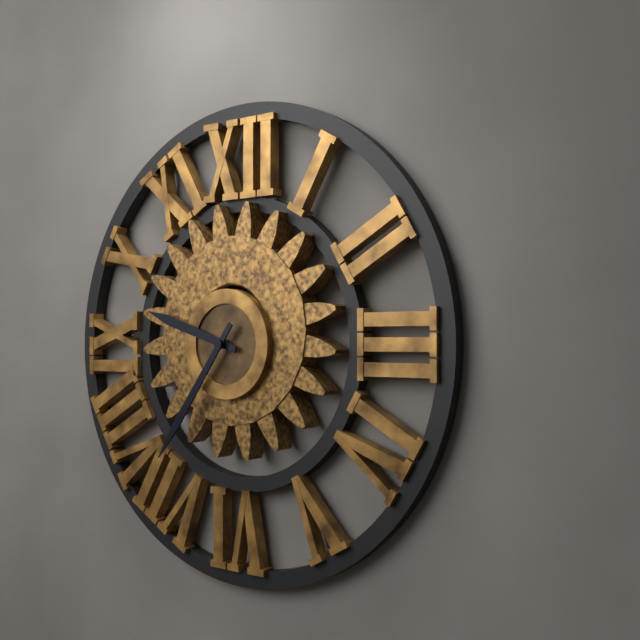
**9:36**
